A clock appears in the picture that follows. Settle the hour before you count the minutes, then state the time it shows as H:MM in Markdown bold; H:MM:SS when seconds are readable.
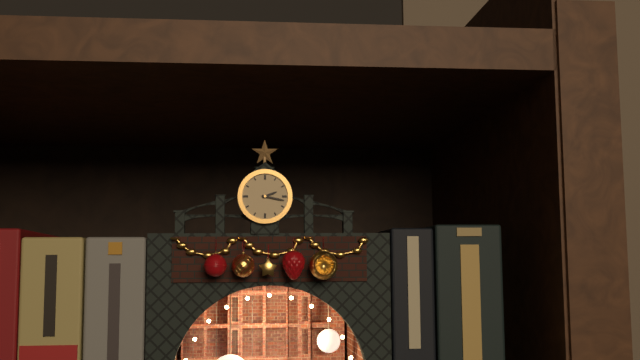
**2:17**
